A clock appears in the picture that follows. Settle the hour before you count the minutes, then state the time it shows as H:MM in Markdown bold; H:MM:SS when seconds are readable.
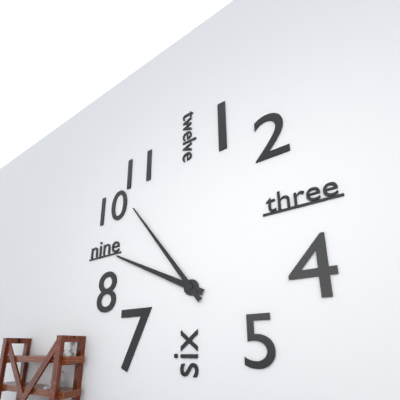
**9:54**
